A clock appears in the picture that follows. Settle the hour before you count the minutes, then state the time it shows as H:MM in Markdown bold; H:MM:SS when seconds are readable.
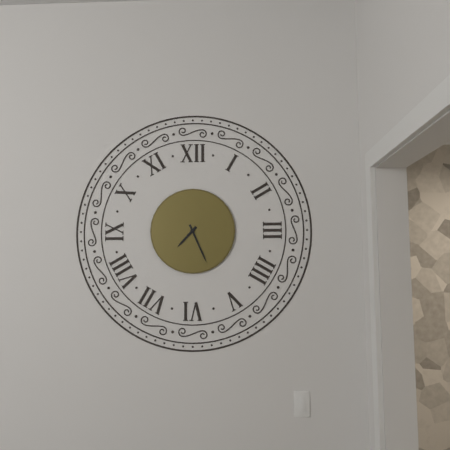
**7:26**
